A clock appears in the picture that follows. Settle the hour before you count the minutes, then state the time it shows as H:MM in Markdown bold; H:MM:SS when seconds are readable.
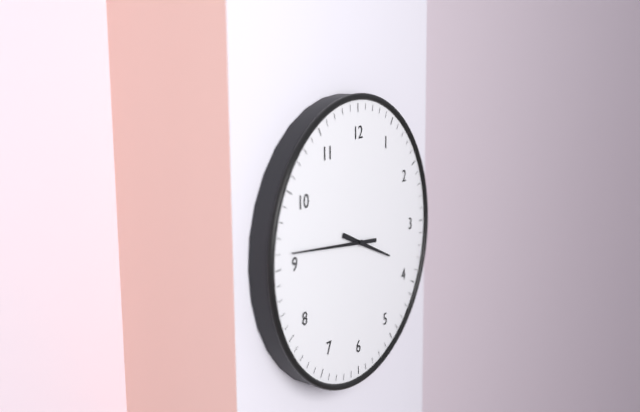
**3:46**
